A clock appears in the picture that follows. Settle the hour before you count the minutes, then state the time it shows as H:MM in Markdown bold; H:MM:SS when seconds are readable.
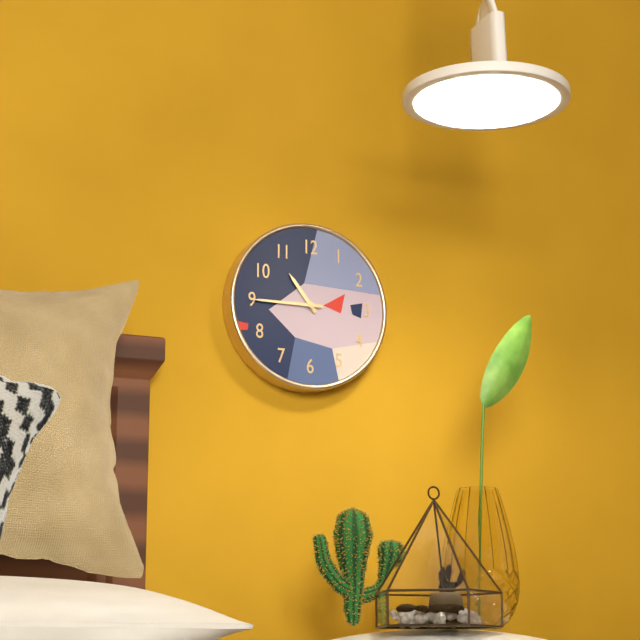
**10:45**
